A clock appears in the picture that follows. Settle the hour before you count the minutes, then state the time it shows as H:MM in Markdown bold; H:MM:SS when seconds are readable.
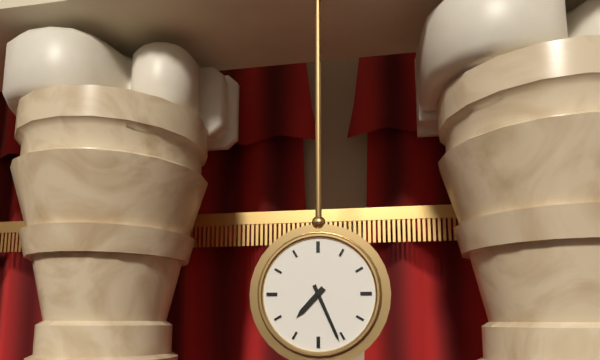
**7:26**
